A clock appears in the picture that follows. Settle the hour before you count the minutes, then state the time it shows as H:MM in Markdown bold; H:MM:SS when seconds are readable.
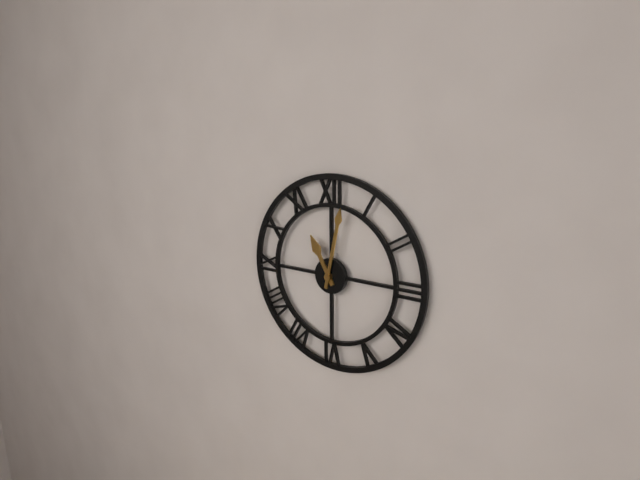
**11:02**
